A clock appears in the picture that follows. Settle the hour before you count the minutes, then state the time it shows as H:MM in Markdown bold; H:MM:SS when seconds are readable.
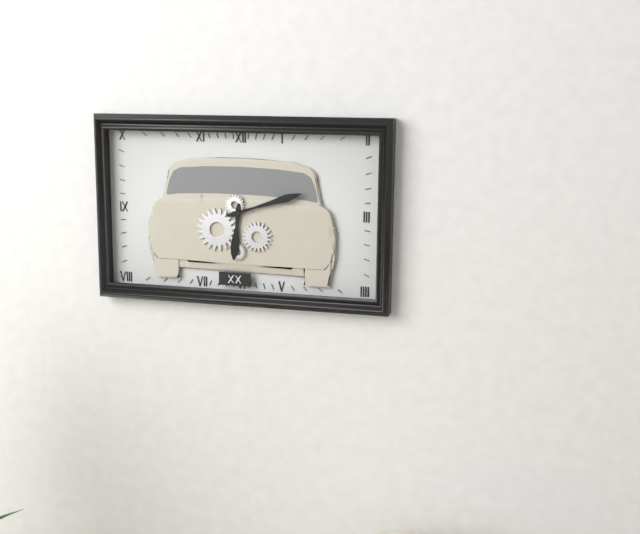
**6:12**
